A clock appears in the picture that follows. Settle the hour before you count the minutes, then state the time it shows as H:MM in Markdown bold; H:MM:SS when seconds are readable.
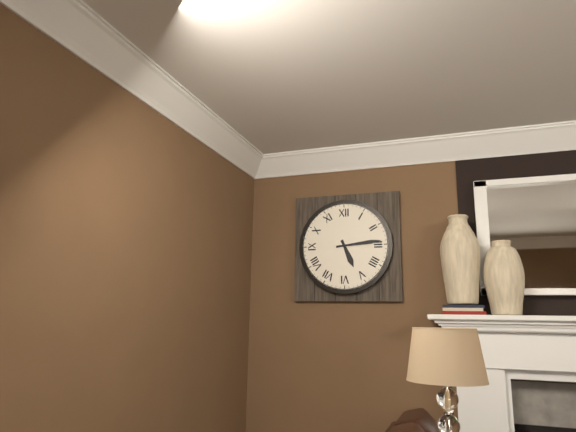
**5:14**
